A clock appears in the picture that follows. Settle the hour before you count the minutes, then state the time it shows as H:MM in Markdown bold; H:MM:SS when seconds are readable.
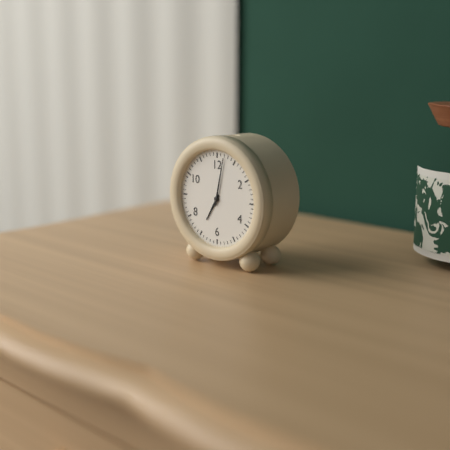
**7:02**
